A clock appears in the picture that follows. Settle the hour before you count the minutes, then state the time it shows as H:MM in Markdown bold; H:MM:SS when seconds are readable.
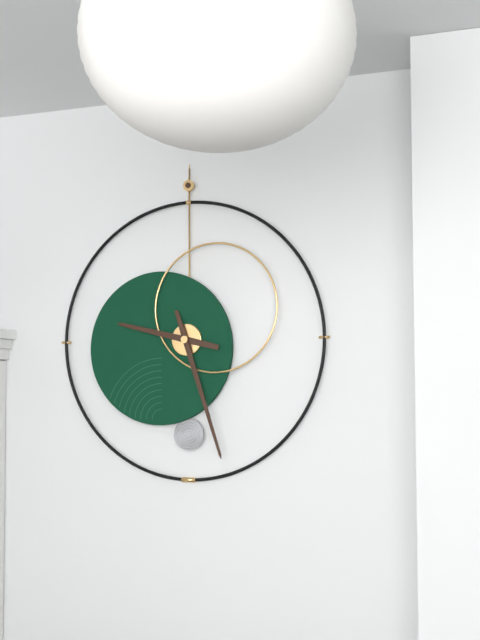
**9:27**
